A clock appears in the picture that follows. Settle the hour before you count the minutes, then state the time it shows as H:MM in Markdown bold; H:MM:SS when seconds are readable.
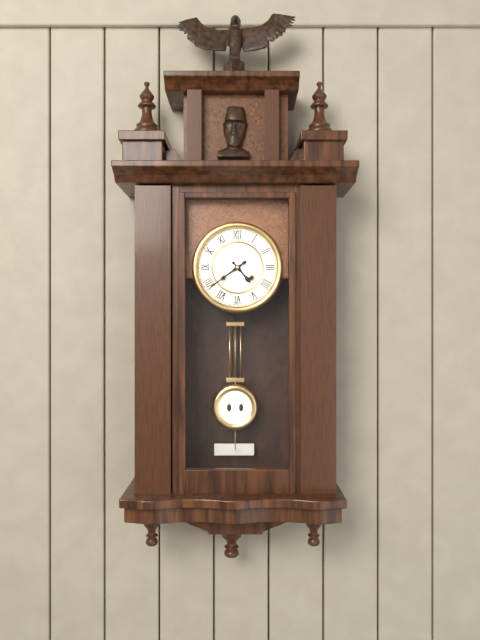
**4:39**
